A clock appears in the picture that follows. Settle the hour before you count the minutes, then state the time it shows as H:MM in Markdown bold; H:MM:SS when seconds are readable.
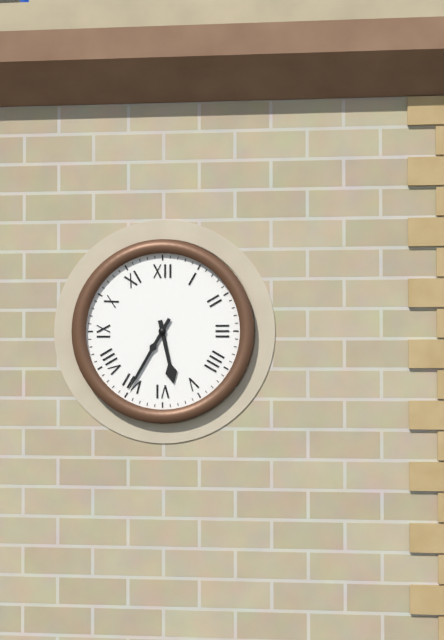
**5:35**
